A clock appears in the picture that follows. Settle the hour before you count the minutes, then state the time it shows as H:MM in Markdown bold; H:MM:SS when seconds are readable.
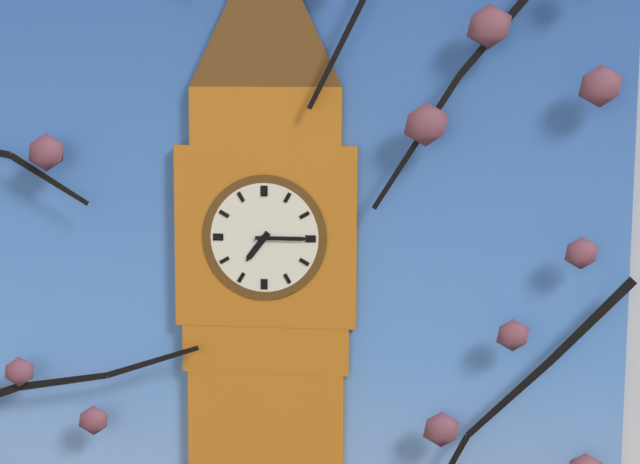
**7:15**
